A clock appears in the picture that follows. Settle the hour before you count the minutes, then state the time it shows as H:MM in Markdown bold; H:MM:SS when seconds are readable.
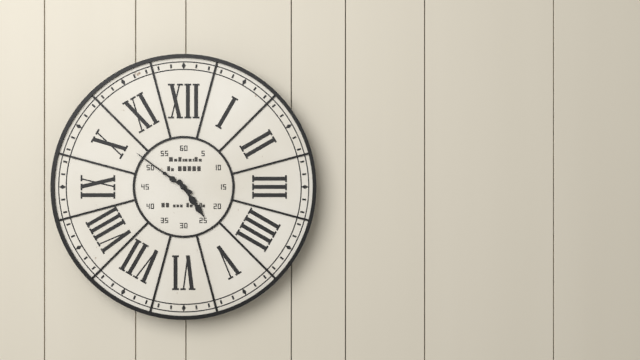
**4:51**
